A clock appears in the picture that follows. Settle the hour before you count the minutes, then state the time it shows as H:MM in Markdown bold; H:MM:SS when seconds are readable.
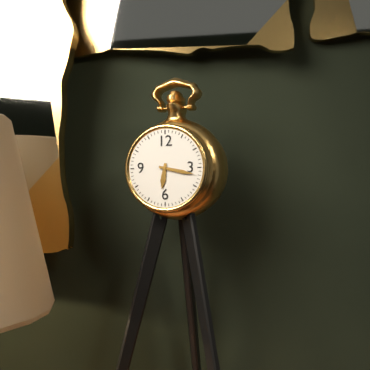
**6:17**
